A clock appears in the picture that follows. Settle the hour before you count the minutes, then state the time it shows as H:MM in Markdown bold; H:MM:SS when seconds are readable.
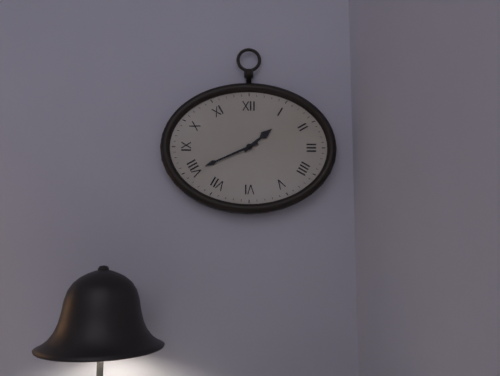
**1:41**
